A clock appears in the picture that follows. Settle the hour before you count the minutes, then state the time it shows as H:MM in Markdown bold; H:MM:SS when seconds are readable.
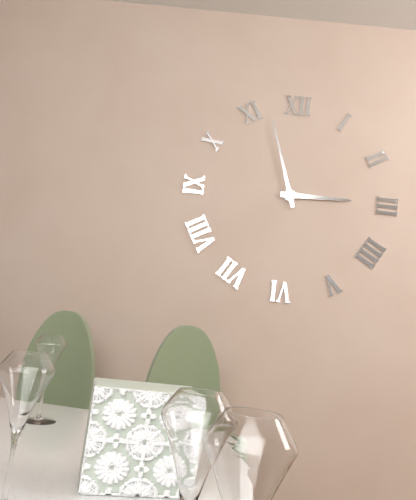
**2:57**
